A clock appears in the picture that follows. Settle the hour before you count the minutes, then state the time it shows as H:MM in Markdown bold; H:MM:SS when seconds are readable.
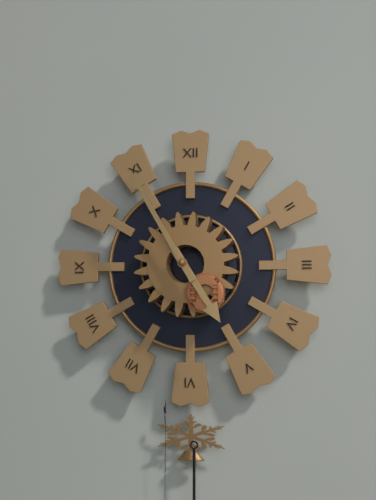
**4:55**
